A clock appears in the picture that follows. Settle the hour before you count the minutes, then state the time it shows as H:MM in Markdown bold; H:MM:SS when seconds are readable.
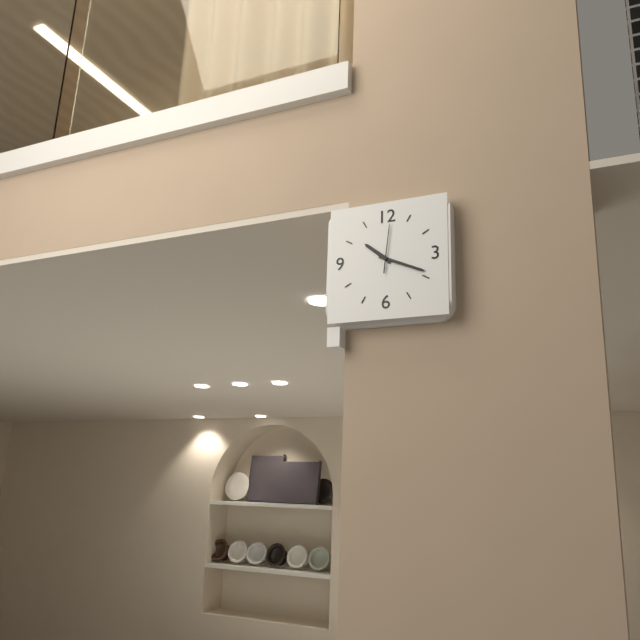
**10:19**
